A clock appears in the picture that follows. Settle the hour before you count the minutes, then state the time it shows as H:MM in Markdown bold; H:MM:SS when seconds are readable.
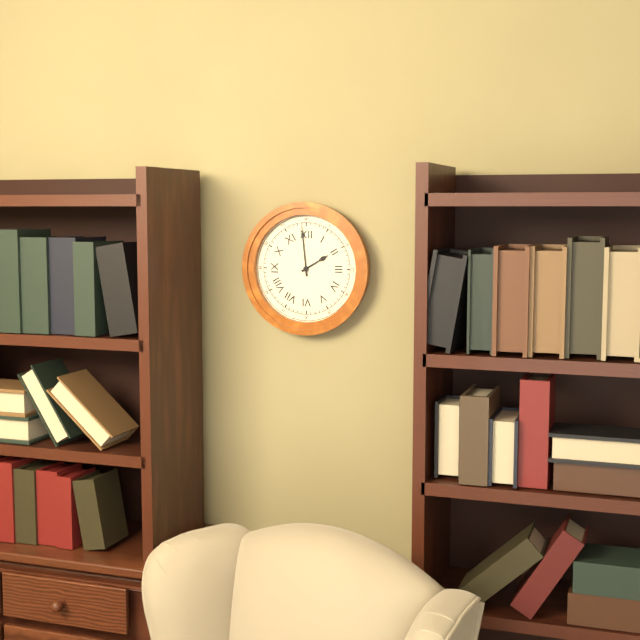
**1:59**
